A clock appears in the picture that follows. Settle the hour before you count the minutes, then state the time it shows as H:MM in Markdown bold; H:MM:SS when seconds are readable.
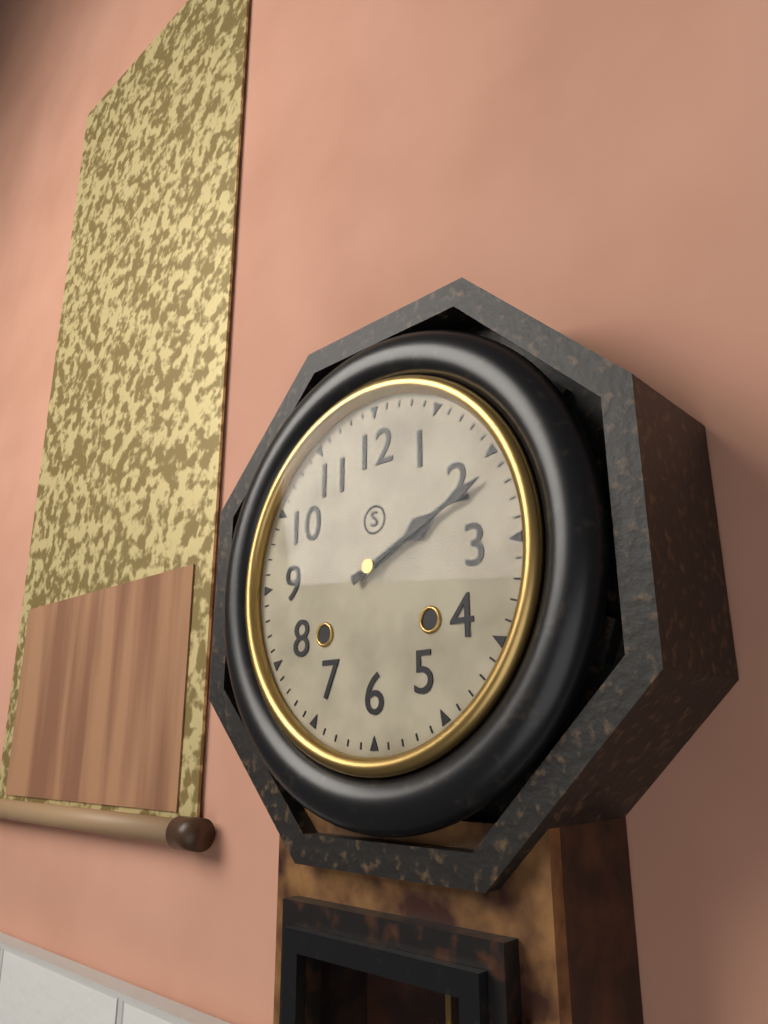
**2:11**
